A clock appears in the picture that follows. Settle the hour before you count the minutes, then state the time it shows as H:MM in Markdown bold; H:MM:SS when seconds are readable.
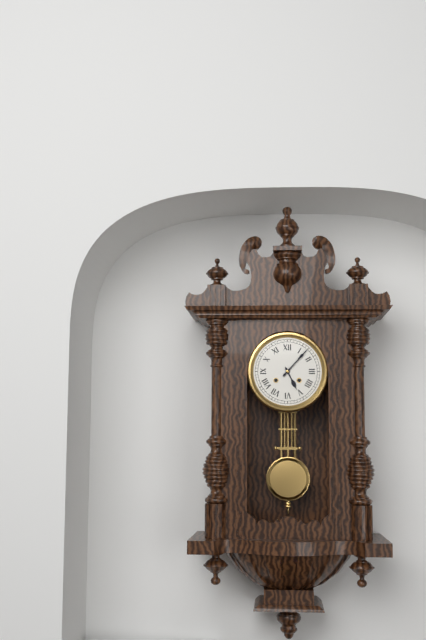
**5:07**
